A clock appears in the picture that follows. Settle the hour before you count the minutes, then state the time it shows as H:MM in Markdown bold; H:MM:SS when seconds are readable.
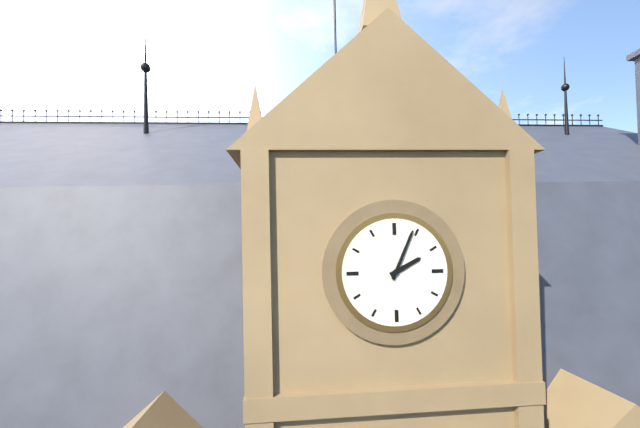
**2:04**
